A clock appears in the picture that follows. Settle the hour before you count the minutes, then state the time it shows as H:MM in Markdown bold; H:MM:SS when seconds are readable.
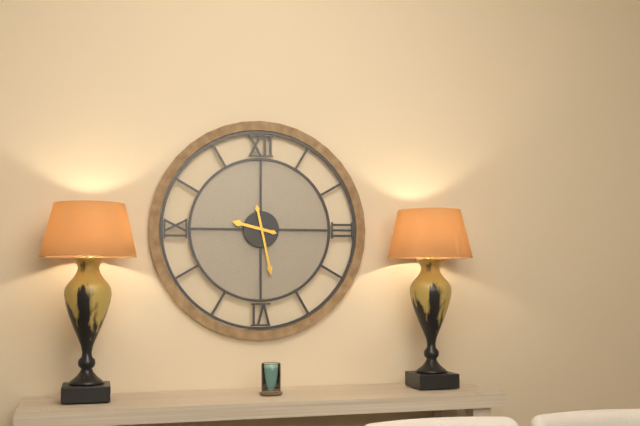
**9:28**
